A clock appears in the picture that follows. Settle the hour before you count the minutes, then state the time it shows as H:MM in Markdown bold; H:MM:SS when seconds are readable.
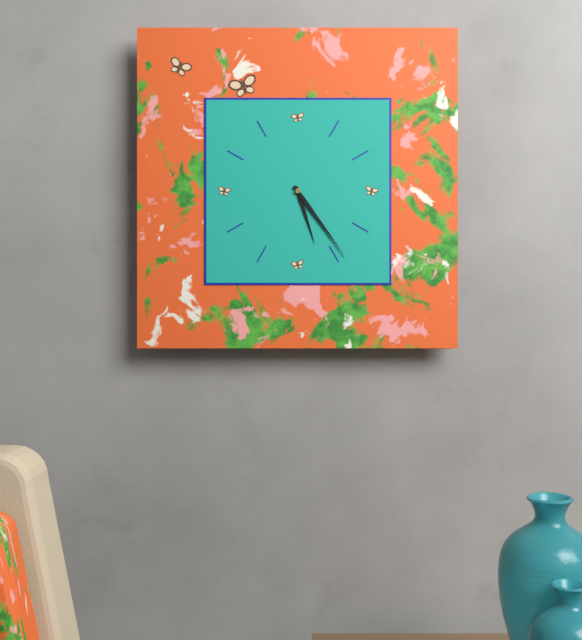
**5:24**
